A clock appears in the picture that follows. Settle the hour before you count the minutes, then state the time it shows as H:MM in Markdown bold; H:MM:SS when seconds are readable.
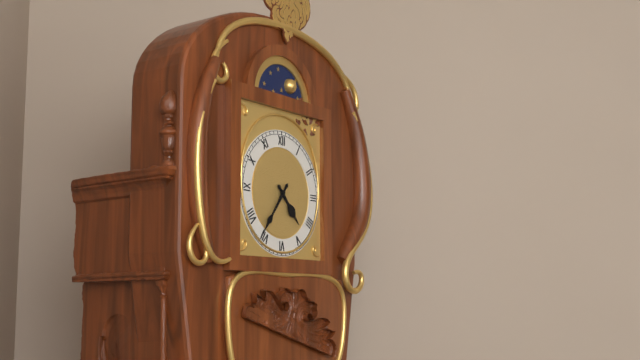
**4:36**
